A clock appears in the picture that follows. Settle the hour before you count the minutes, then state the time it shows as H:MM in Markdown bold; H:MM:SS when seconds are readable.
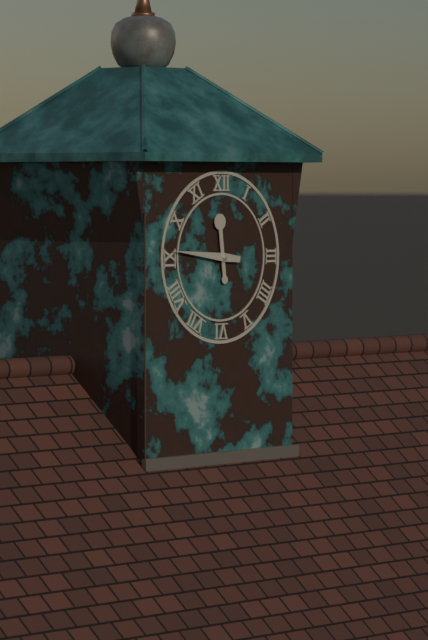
**11:46**
